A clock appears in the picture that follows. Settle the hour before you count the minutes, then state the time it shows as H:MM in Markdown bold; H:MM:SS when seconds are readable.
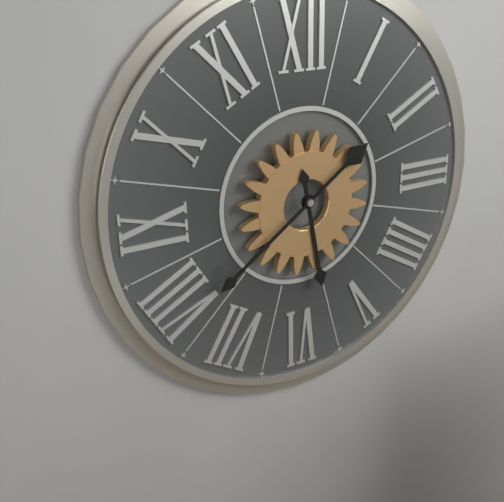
**5:39**
